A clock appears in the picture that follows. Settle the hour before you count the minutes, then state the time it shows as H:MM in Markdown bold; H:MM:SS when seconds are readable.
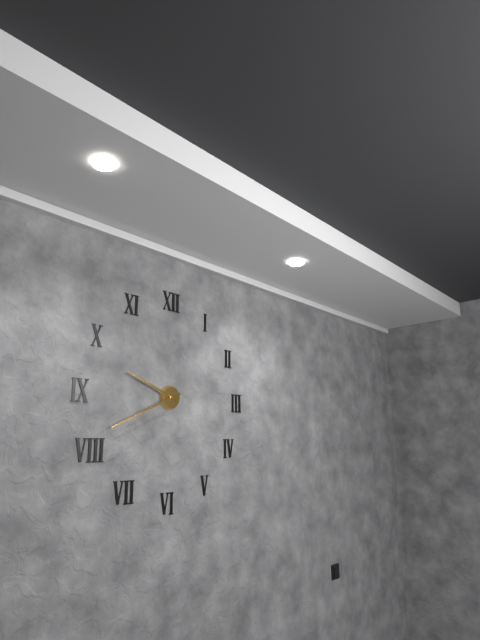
**9:41**
